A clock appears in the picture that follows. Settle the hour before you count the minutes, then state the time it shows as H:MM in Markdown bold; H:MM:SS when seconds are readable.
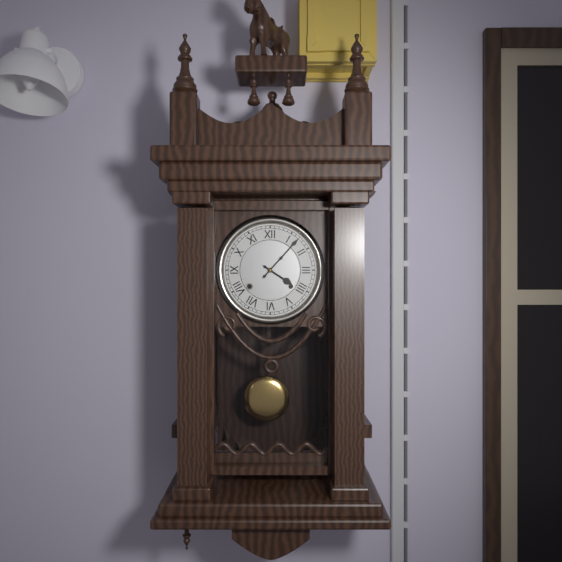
**4:07**
